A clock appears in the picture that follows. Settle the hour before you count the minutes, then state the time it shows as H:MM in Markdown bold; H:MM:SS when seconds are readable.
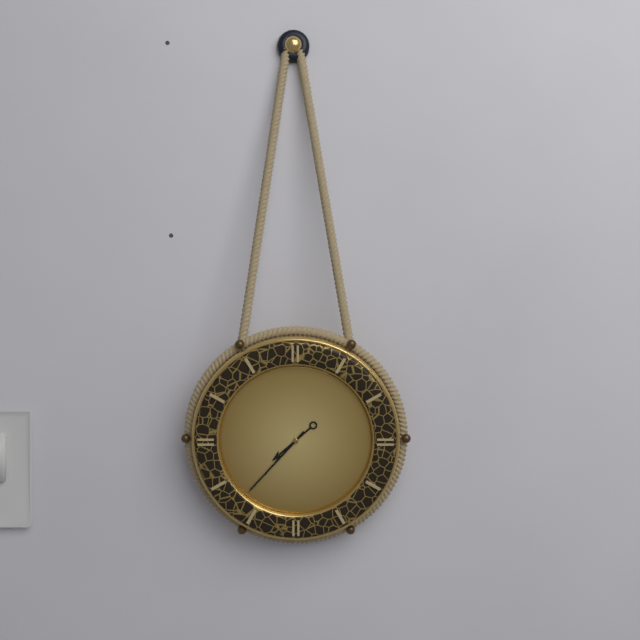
**7:37**
